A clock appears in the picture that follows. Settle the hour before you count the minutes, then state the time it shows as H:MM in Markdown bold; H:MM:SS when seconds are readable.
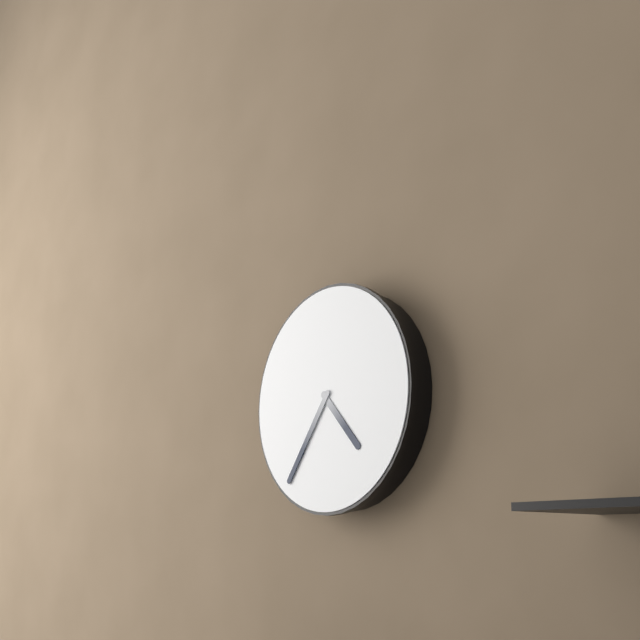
**4:36**
